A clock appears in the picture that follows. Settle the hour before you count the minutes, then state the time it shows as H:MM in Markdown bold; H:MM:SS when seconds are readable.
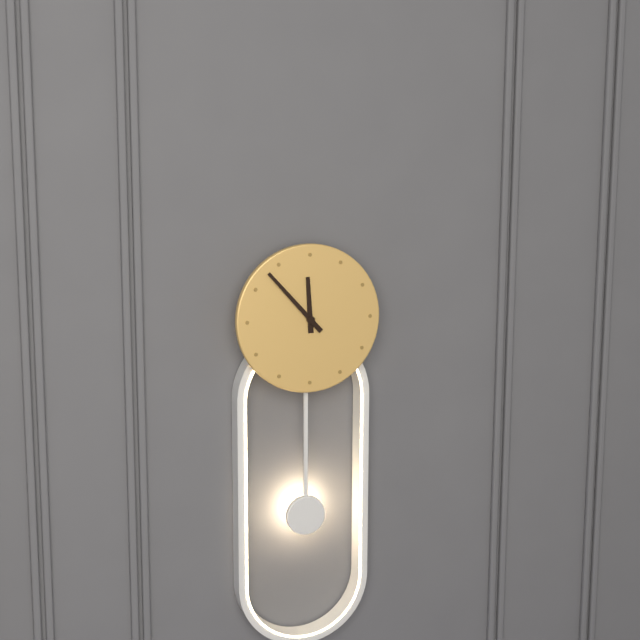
**11:53**
